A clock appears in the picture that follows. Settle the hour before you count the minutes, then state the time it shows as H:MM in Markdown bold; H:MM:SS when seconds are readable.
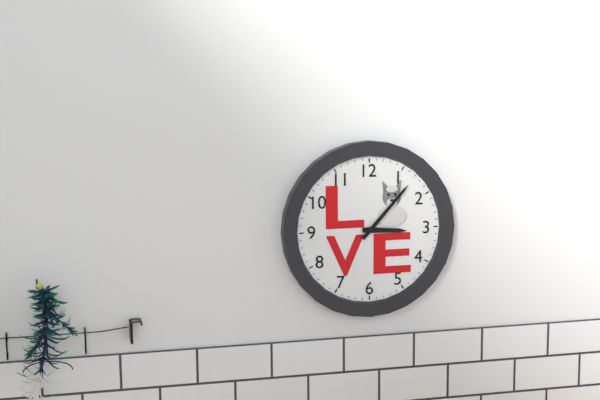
**3:07**
